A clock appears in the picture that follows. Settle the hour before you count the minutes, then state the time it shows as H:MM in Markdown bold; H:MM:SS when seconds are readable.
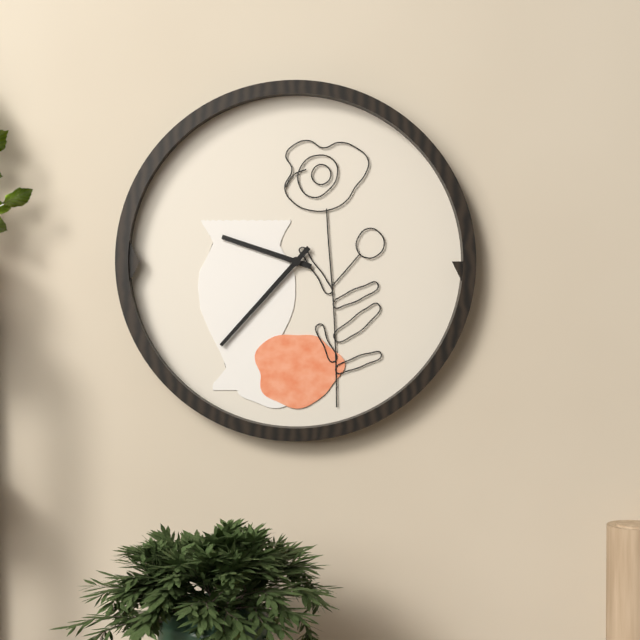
**9:37**
